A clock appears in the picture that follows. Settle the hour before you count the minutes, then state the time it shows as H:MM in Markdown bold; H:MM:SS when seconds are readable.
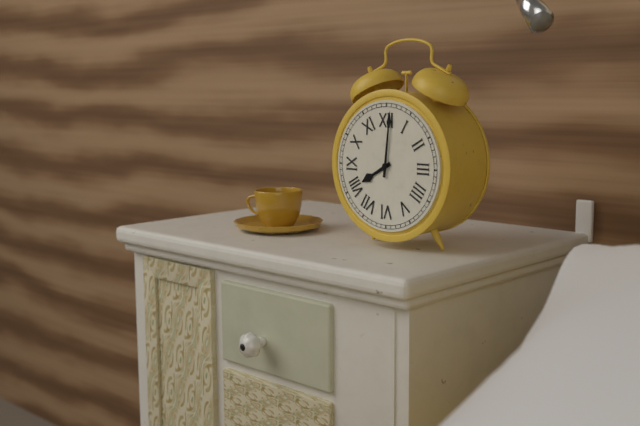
**8:01**
